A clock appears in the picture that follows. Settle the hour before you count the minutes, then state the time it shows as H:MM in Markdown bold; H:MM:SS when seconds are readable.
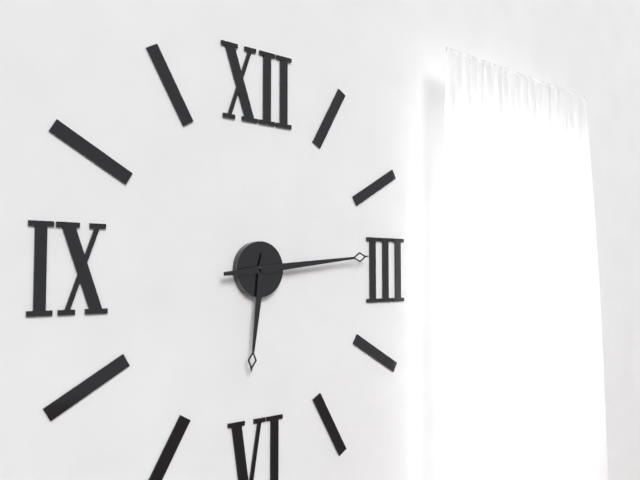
**6:14**
